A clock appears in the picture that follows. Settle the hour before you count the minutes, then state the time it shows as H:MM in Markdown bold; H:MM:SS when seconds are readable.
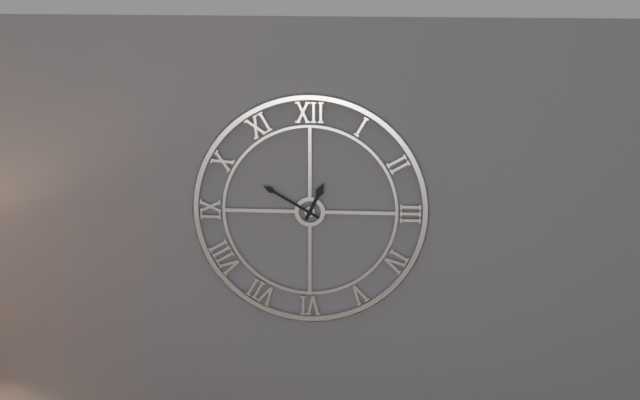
**12:50**
